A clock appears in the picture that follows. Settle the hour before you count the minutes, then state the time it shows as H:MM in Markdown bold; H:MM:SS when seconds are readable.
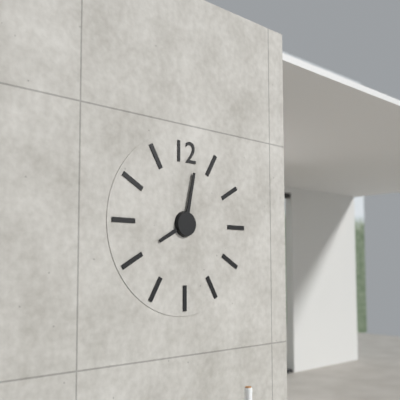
**8:02**
